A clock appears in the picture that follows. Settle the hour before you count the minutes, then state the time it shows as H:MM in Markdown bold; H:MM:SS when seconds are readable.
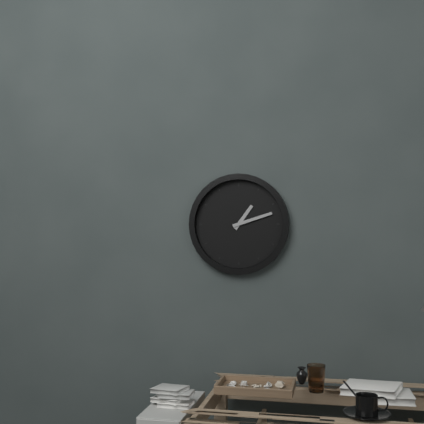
**1:12**
